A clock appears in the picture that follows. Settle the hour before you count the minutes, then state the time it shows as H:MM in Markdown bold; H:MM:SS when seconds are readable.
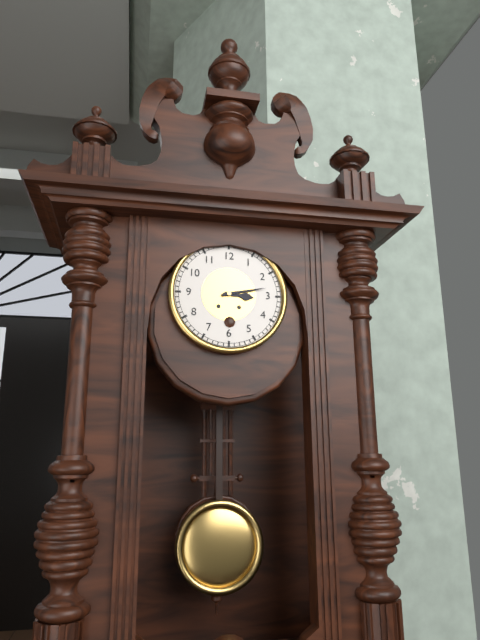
**3:13**
